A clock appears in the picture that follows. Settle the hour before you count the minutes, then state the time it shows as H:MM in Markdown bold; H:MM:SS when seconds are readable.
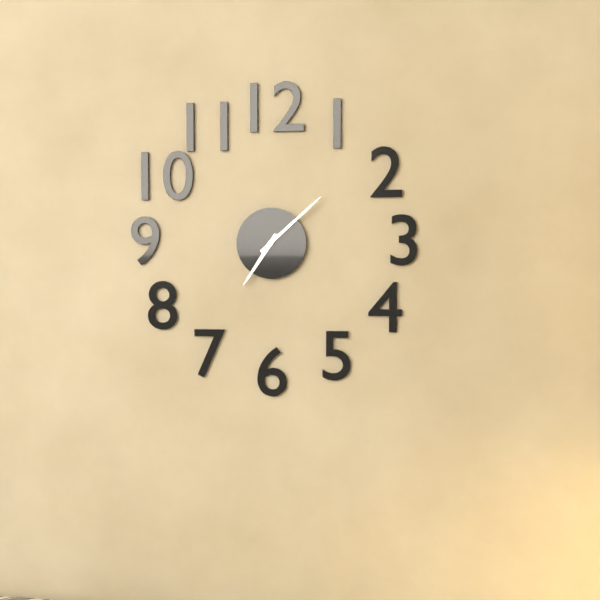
**7:08**
